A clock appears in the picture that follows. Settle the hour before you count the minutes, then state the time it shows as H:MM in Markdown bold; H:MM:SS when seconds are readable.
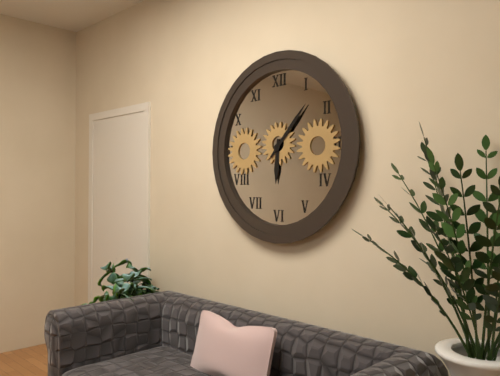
**6:07**
